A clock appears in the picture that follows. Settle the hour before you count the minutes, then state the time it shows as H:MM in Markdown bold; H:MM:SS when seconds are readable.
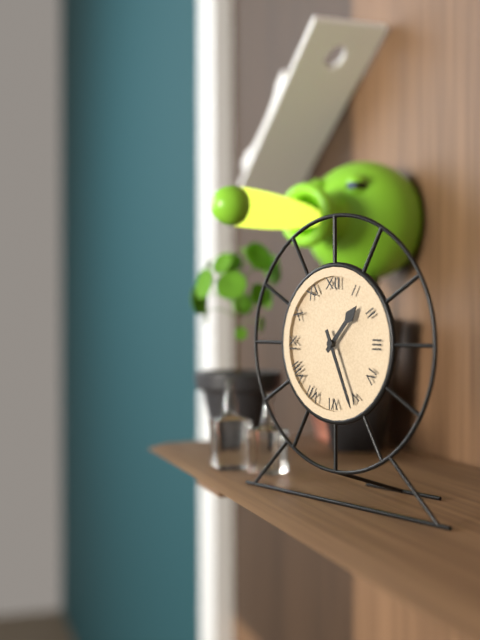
**1:26**
